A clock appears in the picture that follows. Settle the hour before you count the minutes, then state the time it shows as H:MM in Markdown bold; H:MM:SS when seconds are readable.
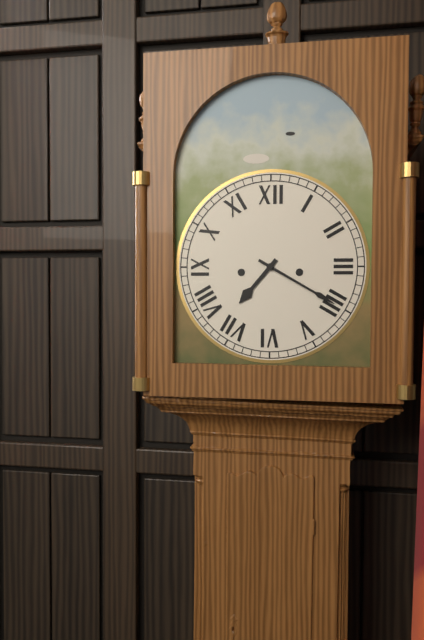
**7:20**
